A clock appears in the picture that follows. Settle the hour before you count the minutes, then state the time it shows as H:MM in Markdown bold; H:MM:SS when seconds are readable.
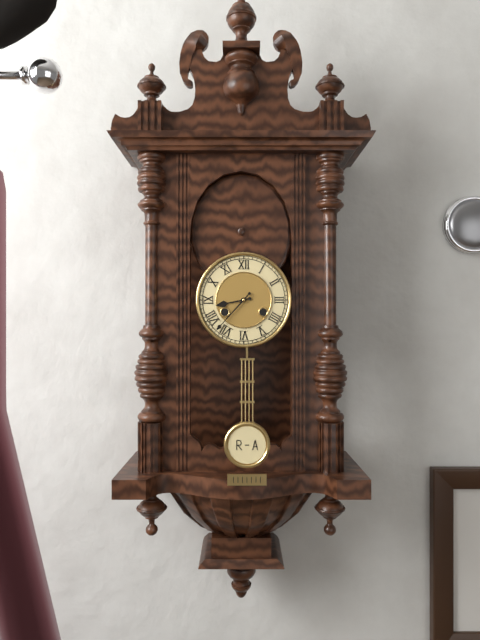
**8:37**
